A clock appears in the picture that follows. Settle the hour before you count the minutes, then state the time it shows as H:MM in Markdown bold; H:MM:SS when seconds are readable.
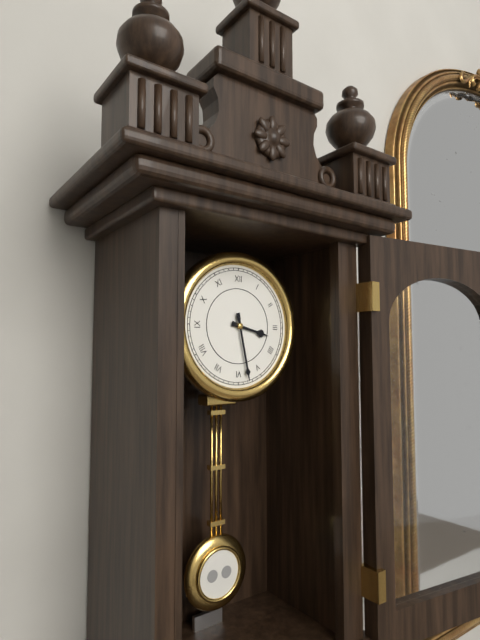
**3:28**
